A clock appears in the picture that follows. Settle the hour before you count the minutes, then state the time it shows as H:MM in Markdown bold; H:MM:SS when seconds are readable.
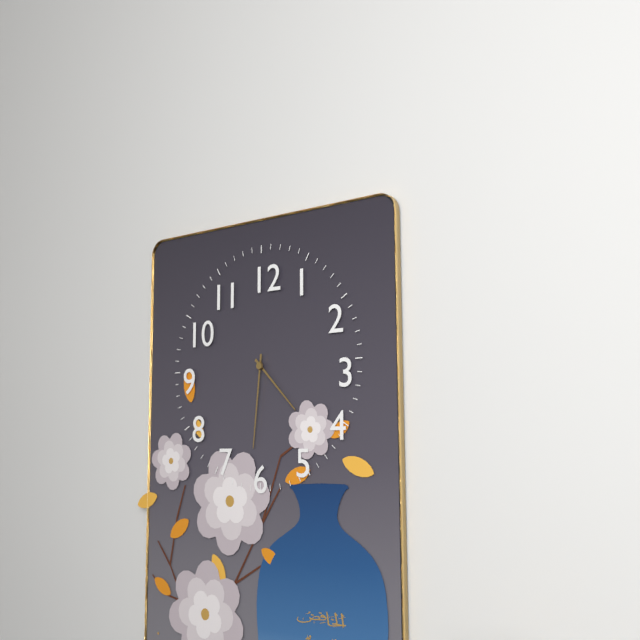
**4:31**
